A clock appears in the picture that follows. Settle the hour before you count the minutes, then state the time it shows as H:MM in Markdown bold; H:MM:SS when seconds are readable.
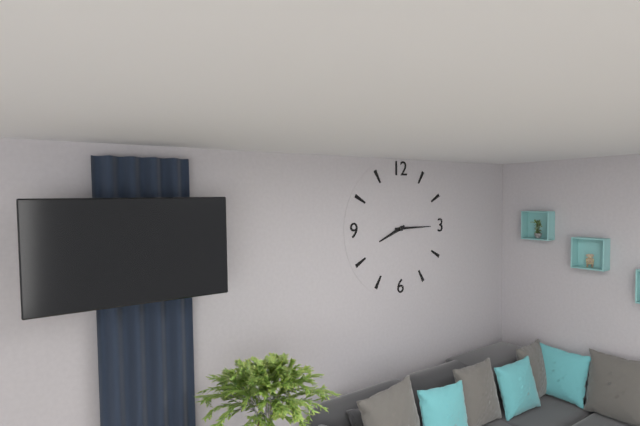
**8:15**
